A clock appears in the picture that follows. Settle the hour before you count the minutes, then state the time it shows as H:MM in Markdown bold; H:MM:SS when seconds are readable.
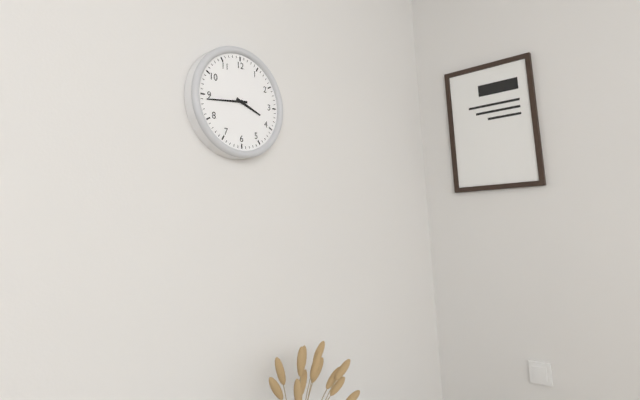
**3:44**
